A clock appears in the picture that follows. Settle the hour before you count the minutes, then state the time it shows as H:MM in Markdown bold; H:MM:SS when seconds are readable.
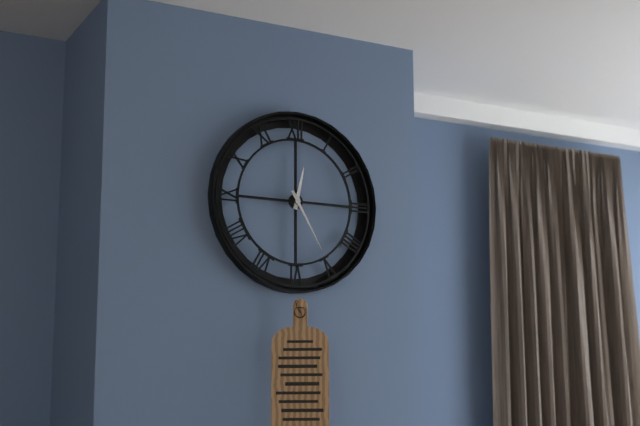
**12:25**
